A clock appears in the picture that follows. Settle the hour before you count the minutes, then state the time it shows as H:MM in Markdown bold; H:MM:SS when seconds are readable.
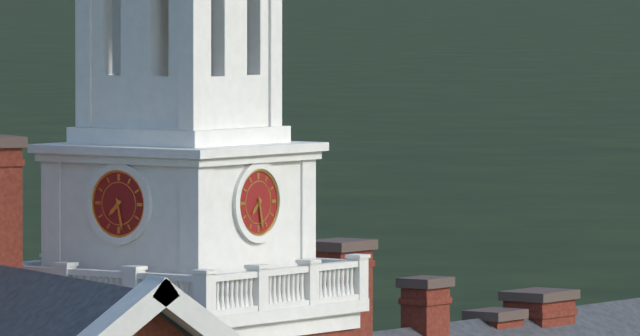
**7:28**
